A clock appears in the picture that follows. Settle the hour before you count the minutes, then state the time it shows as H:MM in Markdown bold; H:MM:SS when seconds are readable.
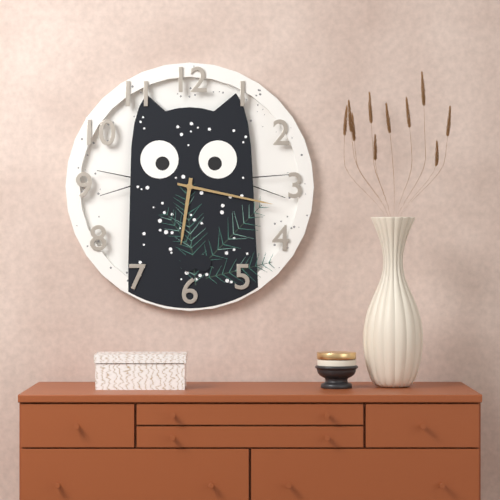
**6:17**
